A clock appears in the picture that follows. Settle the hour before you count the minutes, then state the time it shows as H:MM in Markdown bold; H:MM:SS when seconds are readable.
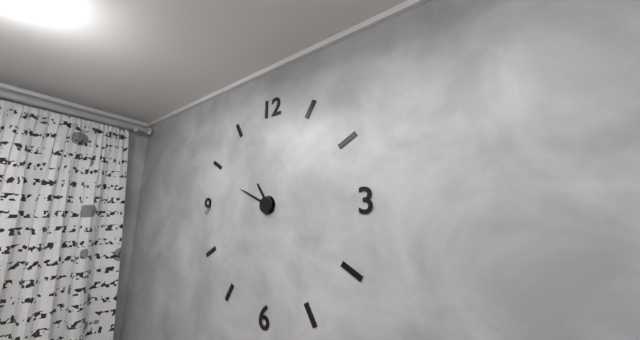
**10:49**
